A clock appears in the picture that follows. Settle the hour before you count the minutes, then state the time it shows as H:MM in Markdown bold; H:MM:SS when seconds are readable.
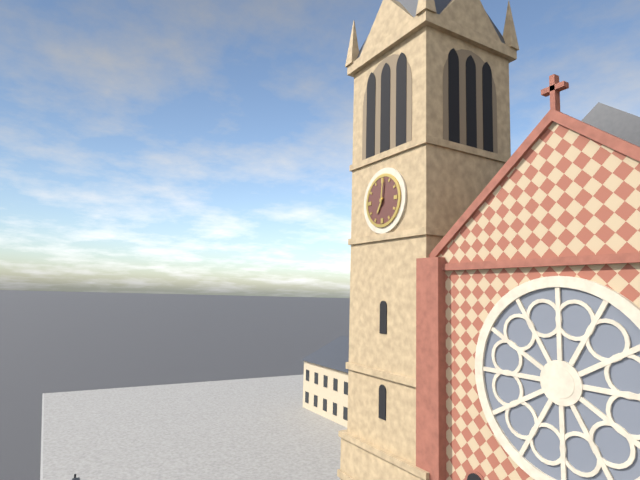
**7:01**
